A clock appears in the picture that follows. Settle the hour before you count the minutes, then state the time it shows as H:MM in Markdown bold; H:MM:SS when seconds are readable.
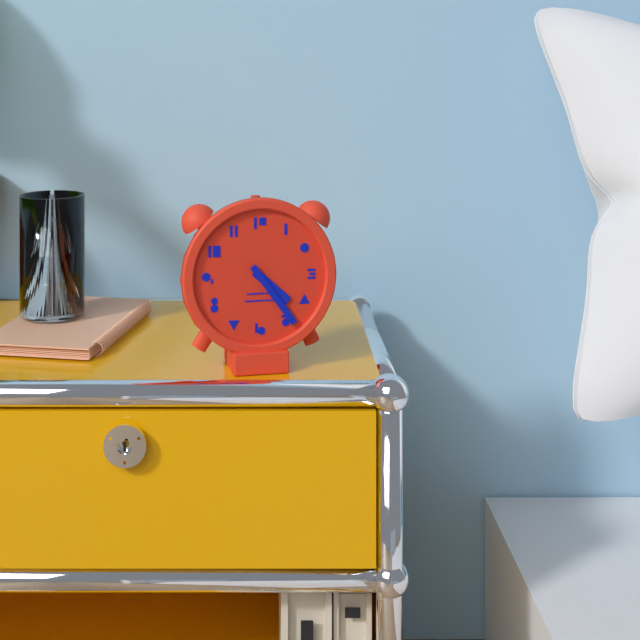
**4:24**
